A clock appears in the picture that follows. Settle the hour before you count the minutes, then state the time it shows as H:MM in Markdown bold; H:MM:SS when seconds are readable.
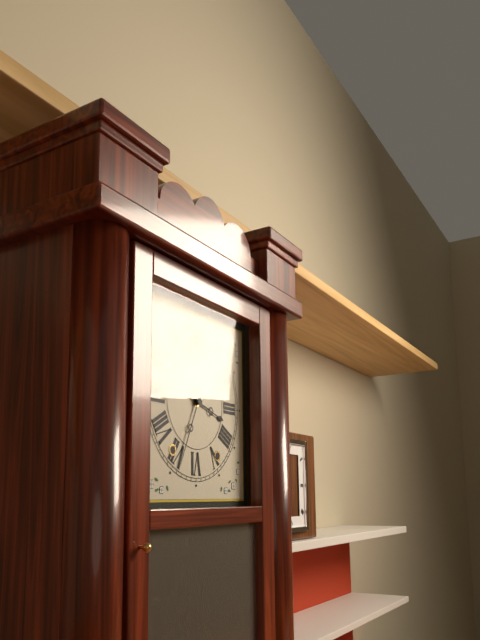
**3:34**
